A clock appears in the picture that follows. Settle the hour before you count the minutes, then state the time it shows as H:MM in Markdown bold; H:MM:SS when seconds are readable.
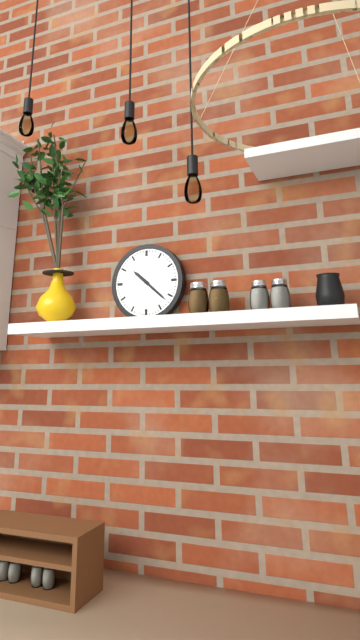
**10:22**
